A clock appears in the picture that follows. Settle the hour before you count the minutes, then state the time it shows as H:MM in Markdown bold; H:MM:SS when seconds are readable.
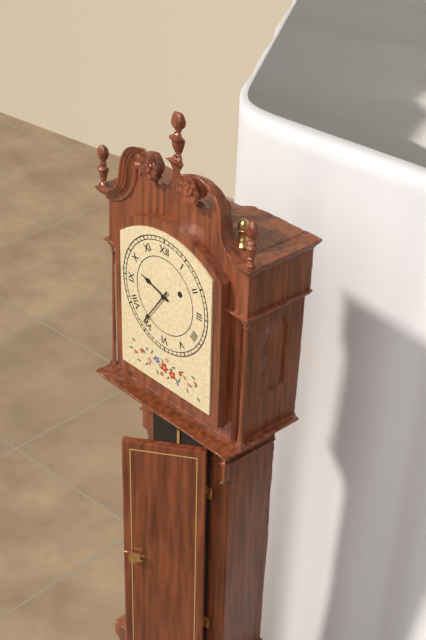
**9:36**
